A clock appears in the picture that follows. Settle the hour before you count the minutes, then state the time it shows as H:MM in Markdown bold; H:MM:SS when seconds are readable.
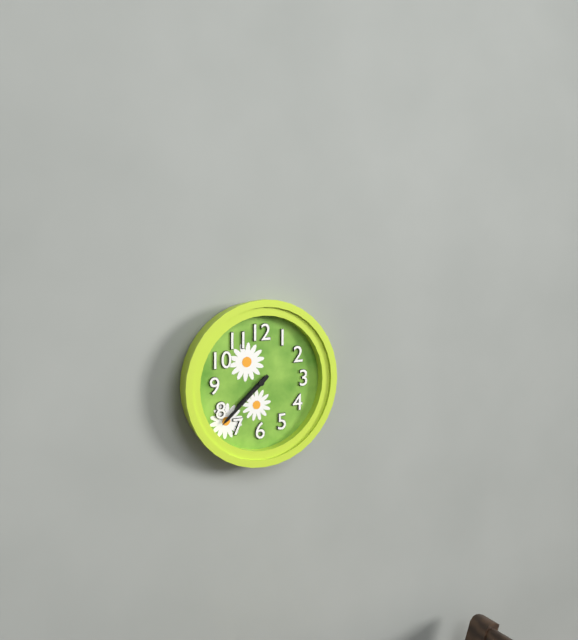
**7:38**
